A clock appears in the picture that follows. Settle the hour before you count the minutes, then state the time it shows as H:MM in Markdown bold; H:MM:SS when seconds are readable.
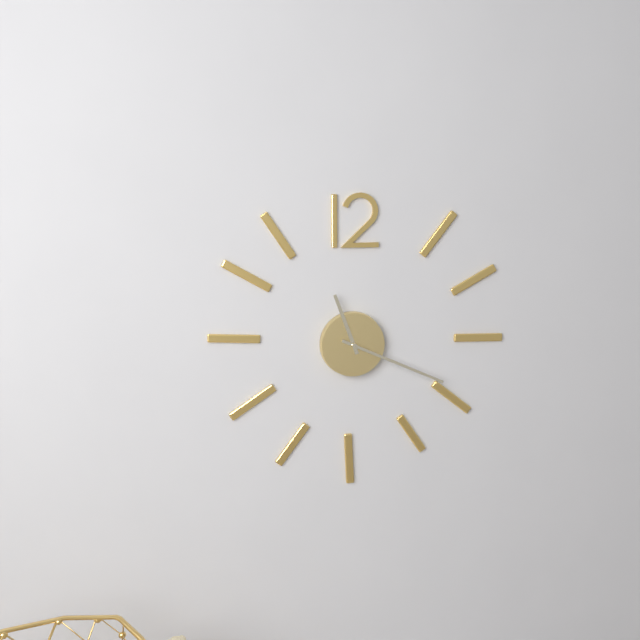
**11:19**
